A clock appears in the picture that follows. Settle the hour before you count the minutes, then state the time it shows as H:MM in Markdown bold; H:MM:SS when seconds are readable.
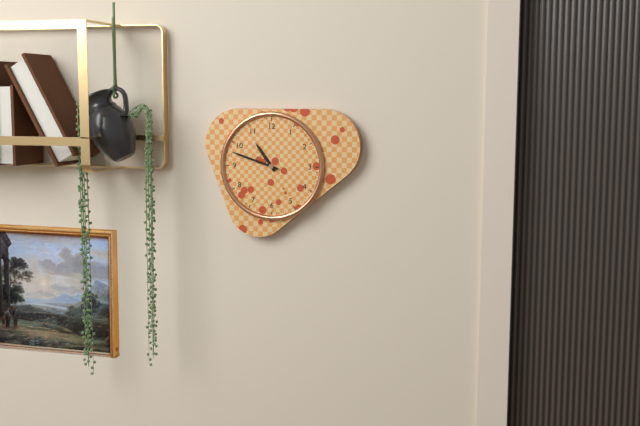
**10:48**
